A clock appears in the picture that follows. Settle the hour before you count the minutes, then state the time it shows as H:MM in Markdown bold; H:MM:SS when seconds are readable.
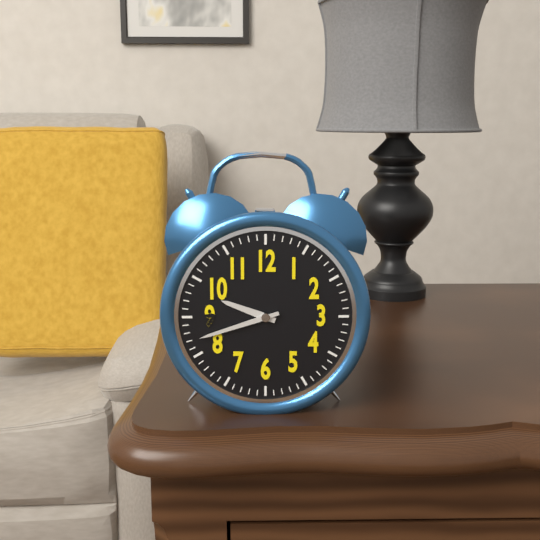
**9:42**
